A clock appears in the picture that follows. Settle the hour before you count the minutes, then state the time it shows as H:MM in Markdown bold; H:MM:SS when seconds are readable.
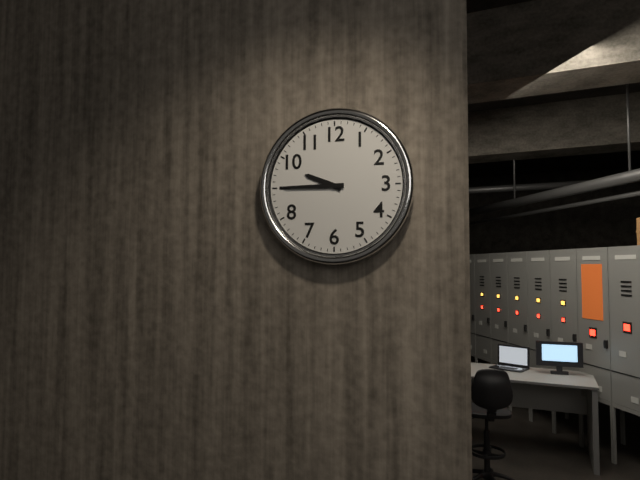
**9:45**
